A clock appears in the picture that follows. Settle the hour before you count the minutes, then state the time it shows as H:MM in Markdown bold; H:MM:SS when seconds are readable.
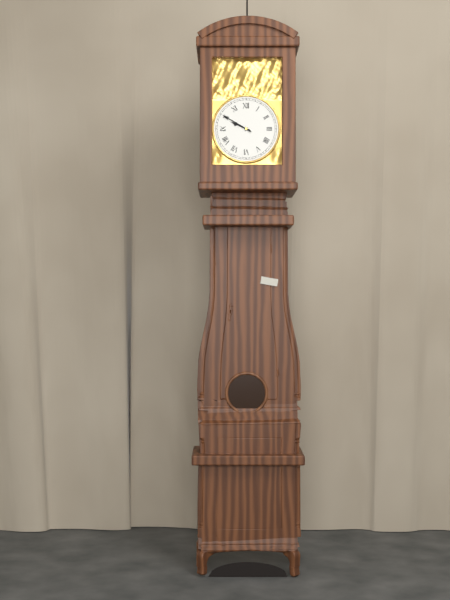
**9:50**
